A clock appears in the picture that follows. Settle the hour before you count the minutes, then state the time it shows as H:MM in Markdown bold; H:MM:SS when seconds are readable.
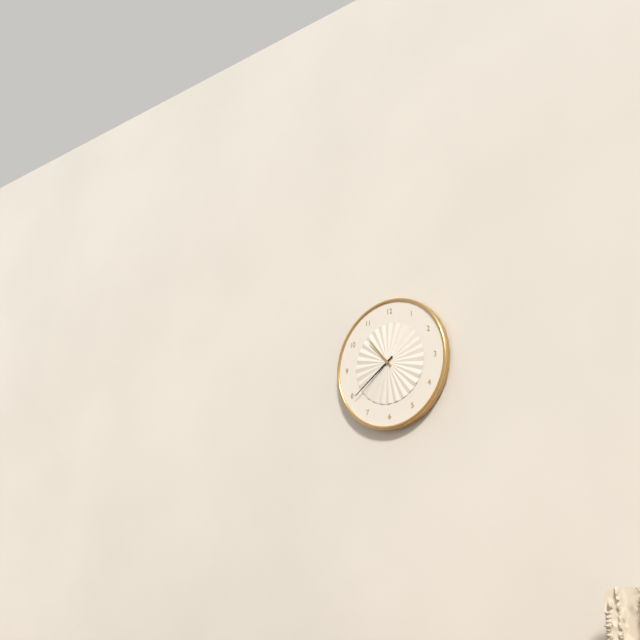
**10:39**
